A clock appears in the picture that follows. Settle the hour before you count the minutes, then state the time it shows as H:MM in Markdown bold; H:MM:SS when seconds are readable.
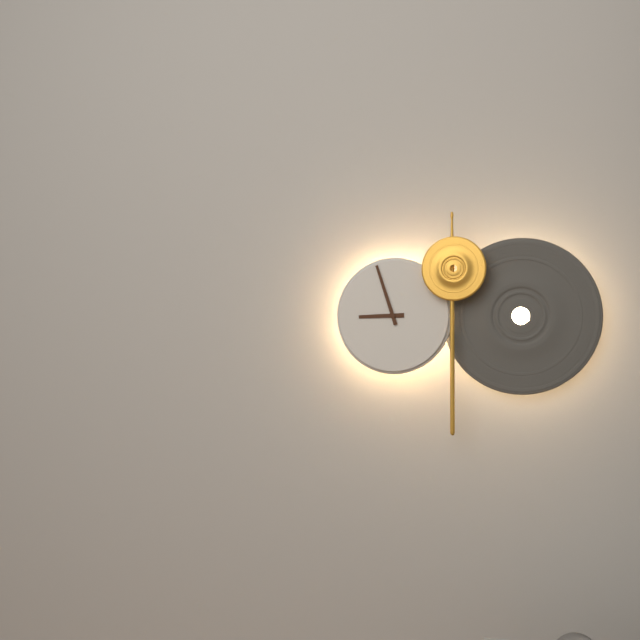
**8:57**
